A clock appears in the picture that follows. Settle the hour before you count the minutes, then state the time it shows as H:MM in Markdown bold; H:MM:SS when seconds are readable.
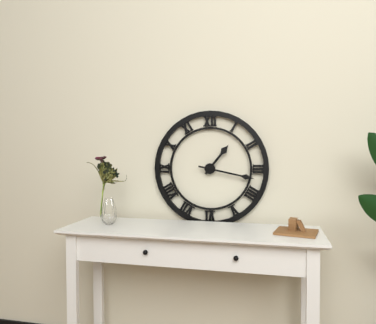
**1:17**
